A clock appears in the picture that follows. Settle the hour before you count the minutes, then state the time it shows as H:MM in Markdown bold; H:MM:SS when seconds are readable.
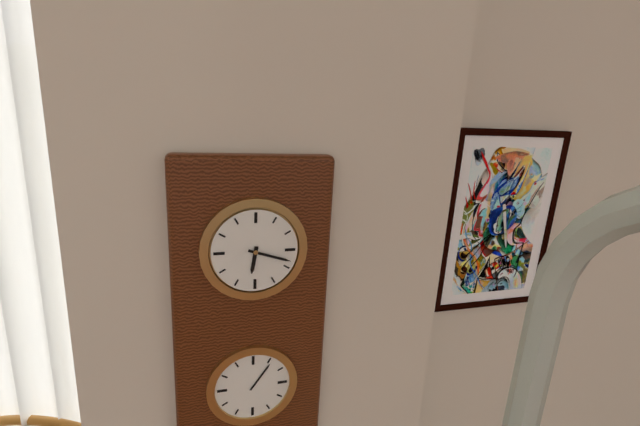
**6:18**
